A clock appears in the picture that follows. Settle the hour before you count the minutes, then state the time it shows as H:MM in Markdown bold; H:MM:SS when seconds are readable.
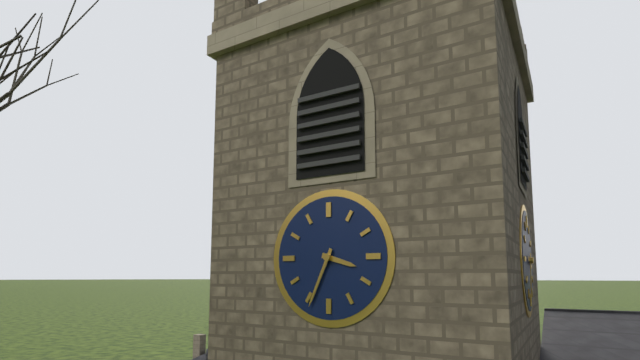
**3:34**
